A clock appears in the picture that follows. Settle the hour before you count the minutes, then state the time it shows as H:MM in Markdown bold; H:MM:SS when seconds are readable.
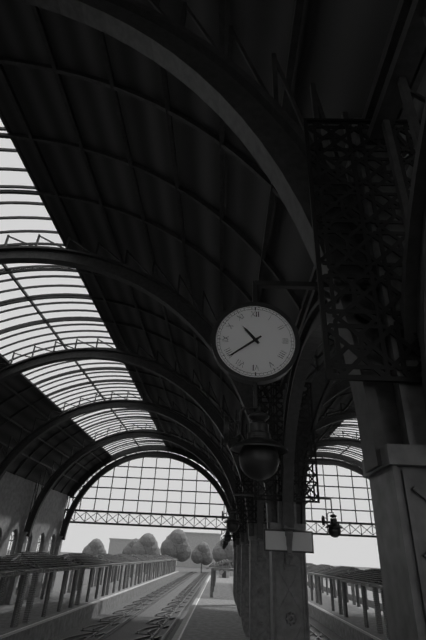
**10:39**
